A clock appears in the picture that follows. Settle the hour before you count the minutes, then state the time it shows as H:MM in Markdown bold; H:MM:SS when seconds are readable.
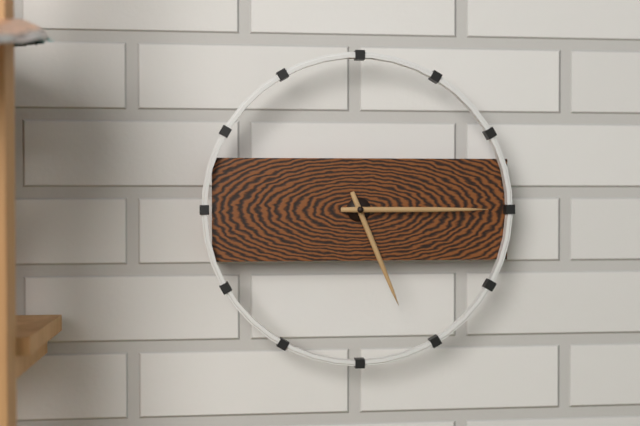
**5:15**
